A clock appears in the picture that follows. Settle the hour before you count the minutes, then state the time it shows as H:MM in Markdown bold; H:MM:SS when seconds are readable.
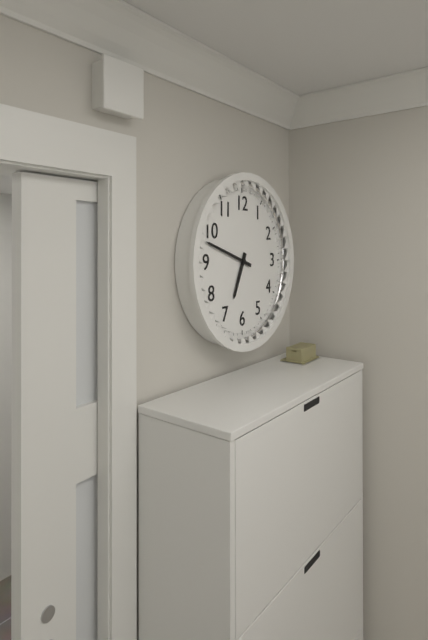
**6:48**
